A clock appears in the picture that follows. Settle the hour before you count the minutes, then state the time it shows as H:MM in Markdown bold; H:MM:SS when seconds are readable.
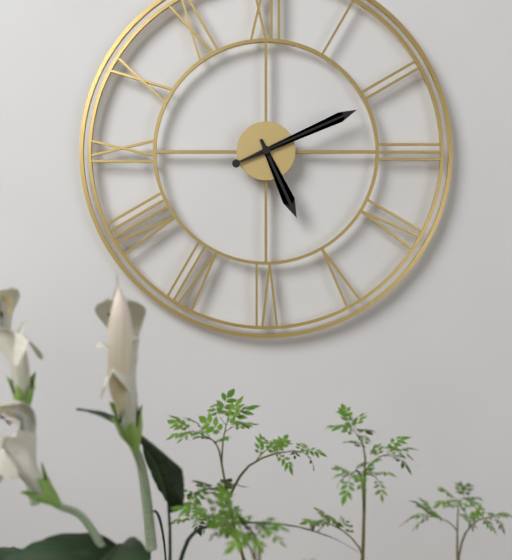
**5:11**
